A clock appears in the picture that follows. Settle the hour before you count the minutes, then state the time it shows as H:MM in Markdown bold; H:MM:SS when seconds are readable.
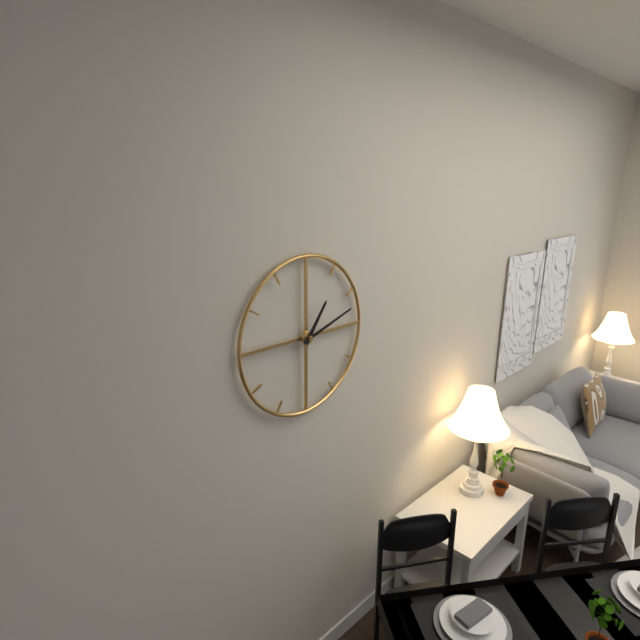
**1:12**
